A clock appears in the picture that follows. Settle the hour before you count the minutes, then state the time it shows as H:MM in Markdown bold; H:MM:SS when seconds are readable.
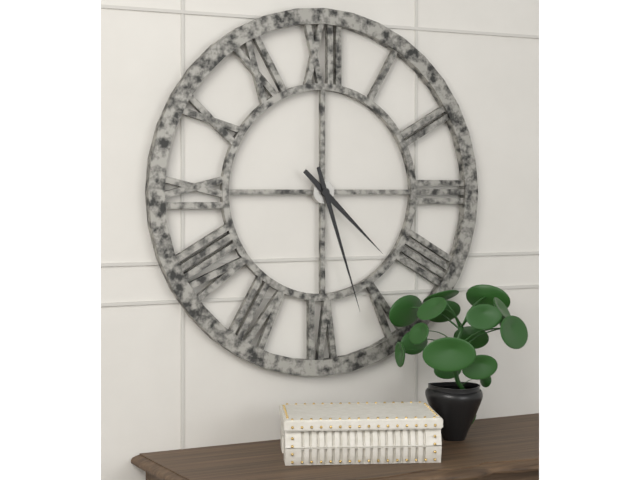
**4:27**
